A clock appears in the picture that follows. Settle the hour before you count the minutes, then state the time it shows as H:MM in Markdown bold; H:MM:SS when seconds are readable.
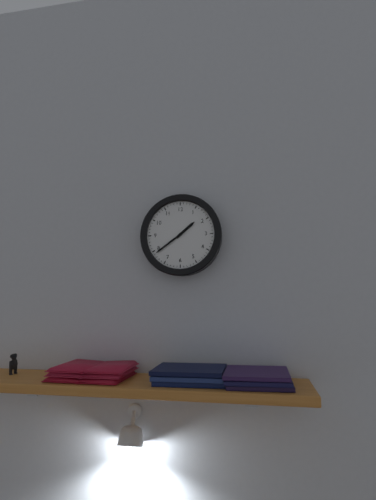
**1:39**
